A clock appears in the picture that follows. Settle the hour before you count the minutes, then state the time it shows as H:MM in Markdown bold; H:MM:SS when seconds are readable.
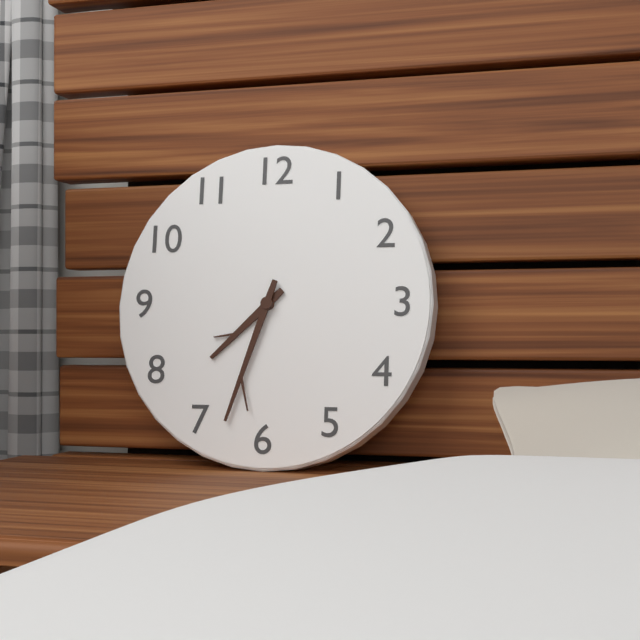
**7:33**
